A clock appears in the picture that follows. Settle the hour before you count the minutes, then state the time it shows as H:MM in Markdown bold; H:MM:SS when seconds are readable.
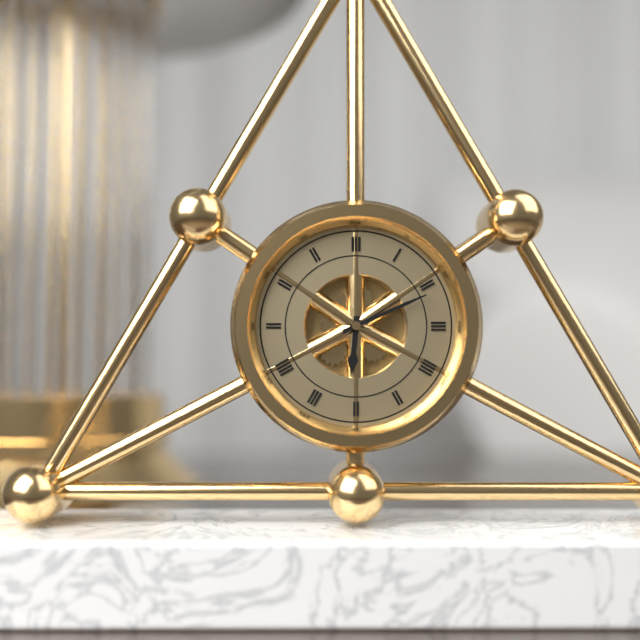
**6:11**
